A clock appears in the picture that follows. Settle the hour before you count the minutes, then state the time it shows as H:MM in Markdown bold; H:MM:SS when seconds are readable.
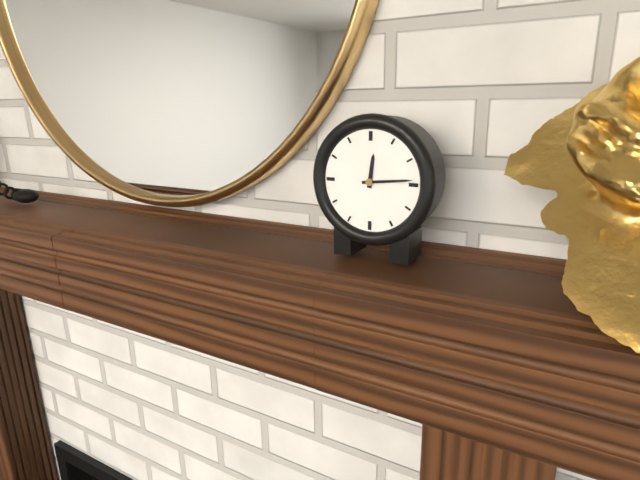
**12:14**
